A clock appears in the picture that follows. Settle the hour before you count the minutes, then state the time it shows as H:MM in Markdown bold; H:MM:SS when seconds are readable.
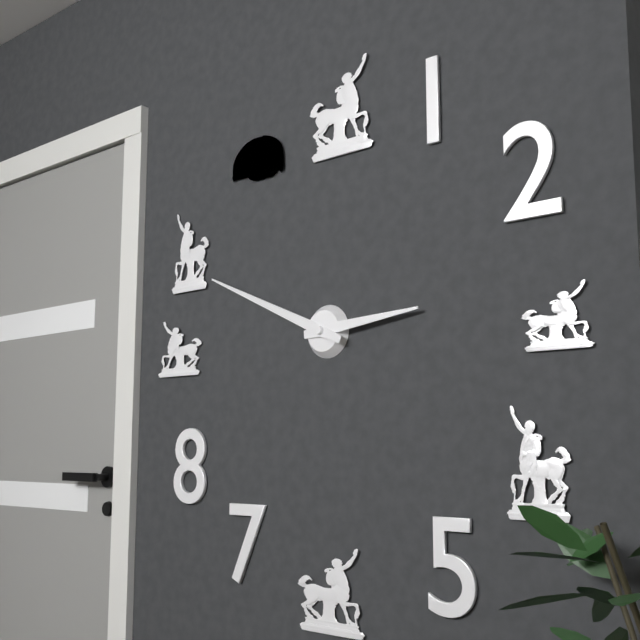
**2:49**
